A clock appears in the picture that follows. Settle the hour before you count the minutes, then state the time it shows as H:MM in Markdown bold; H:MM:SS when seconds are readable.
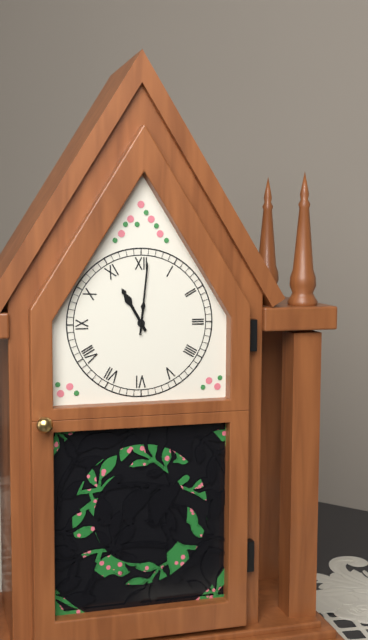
**11:01**
